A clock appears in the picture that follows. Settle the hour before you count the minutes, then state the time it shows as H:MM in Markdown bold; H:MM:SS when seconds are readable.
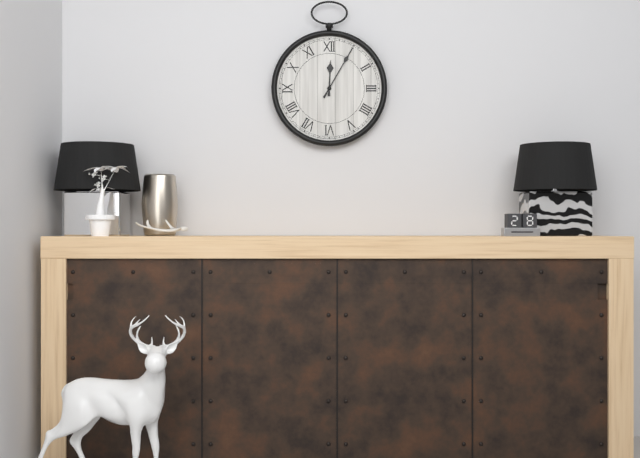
**12:05**
